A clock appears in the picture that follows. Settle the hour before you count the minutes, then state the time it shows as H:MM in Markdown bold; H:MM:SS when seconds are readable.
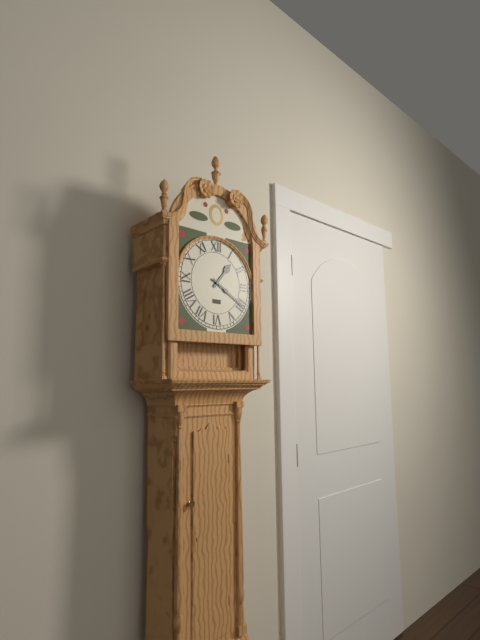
**1:20**
